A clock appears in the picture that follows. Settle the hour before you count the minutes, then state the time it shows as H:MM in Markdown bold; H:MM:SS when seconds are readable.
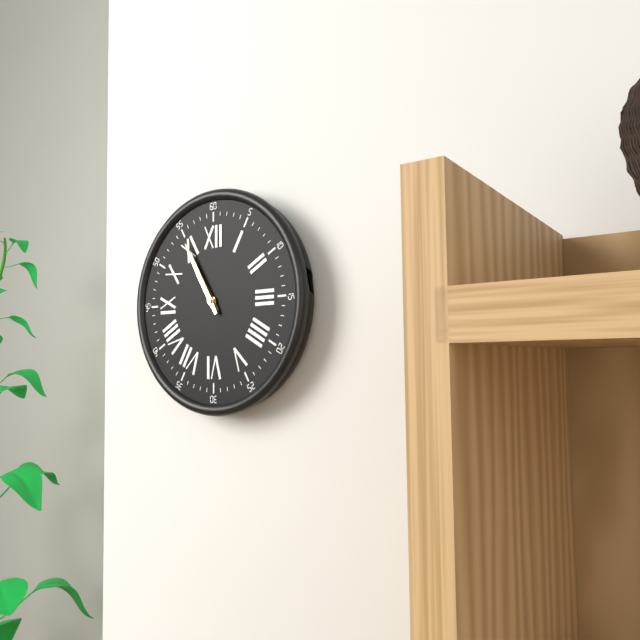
**10:55**
